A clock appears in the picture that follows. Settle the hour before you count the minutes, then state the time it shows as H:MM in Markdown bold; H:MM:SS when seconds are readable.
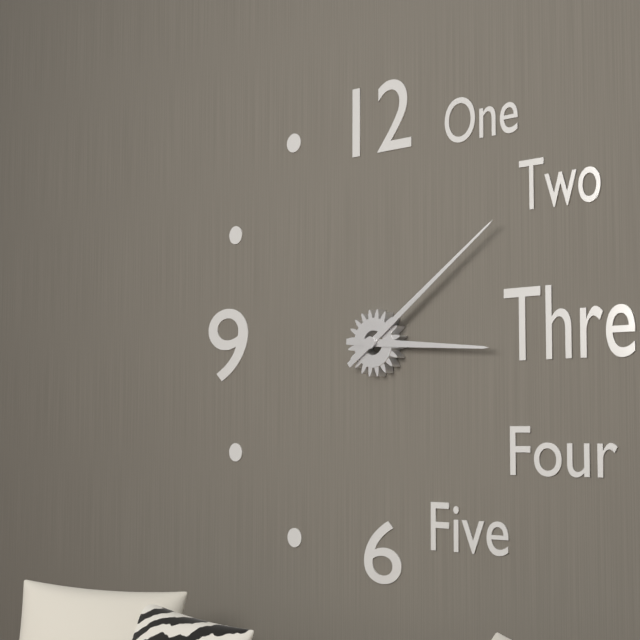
**3:09**
